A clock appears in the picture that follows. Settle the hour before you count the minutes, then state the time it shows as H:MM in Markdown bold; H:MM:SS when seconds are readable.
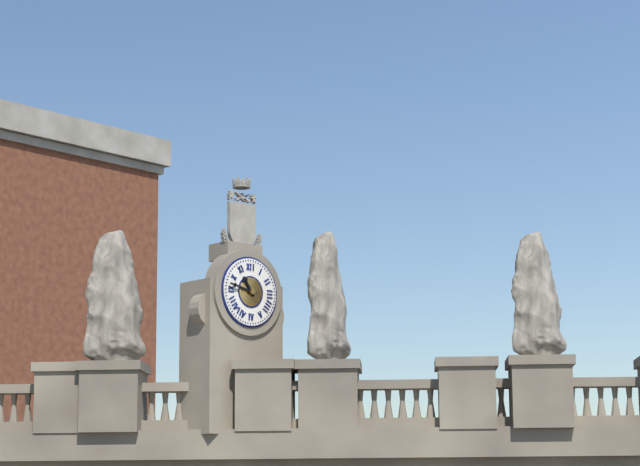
**10:47**
